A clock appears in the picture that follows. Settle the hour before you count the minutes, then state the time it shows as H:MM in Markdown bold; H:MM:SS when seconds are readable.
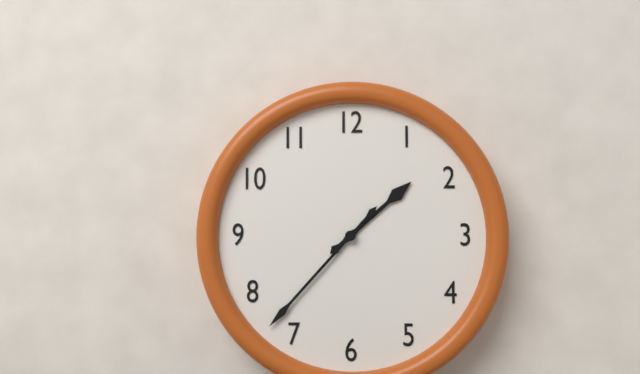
**1:37**
